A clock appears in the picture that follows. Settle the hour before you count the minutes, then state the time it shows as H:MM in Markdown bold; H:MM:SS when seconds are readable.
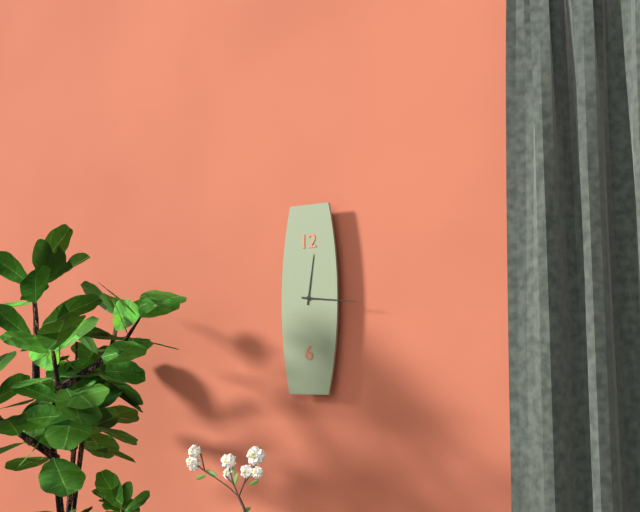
**12:16**
